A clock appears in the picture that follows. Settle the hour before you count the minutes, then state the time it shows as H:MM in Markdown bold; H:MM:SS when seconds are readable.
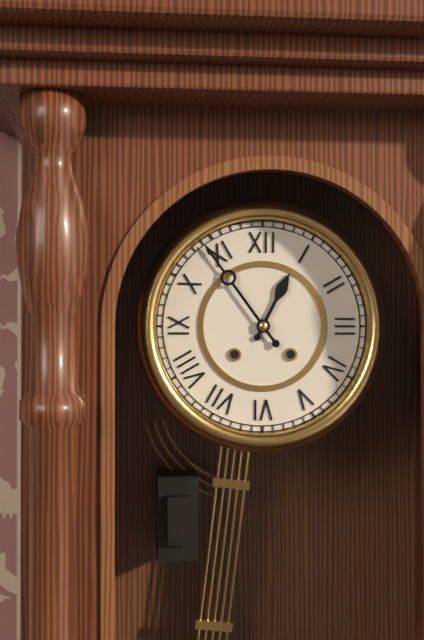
**12:54**
